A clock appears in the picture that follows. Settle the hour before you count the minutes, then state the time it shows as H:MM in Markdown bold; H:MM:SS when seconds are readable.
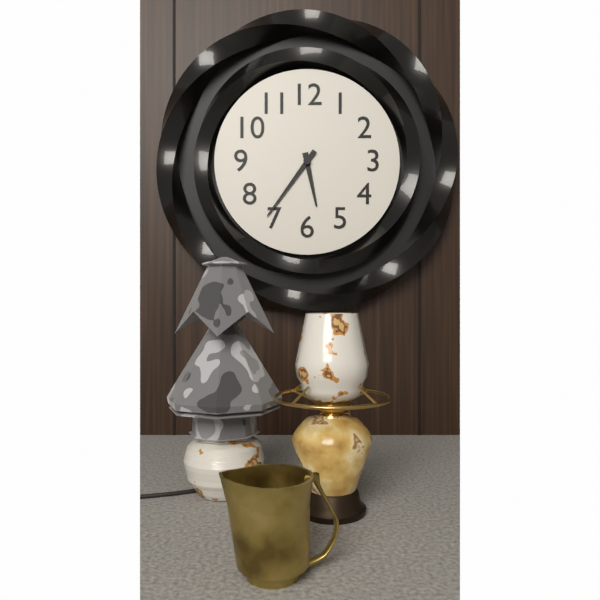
**5:36**
